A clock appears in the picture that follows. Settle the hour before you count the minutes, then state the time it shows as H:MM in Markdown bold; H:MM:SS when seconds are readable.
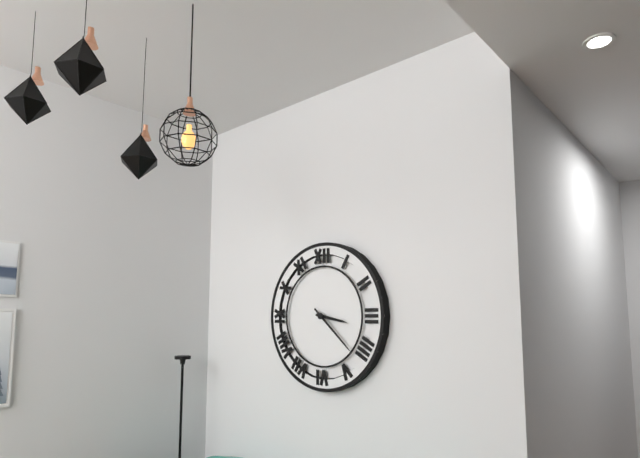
**3:22**
